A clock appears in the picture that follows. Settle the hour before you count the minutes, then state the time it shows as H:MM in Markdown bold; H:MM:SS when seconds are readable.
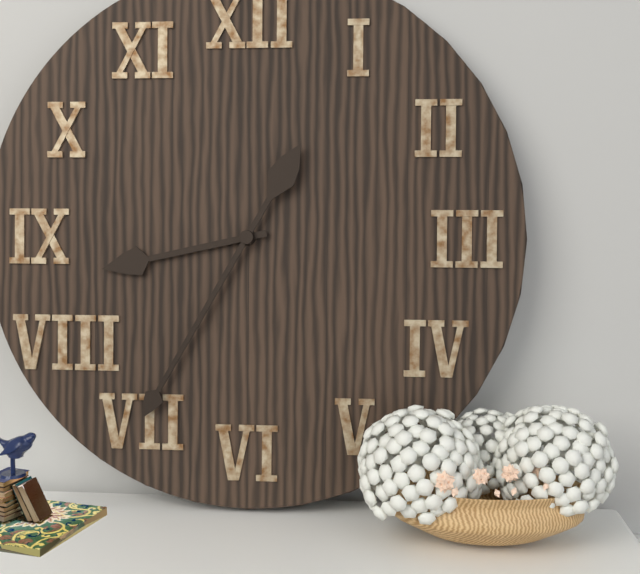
**8:35**
